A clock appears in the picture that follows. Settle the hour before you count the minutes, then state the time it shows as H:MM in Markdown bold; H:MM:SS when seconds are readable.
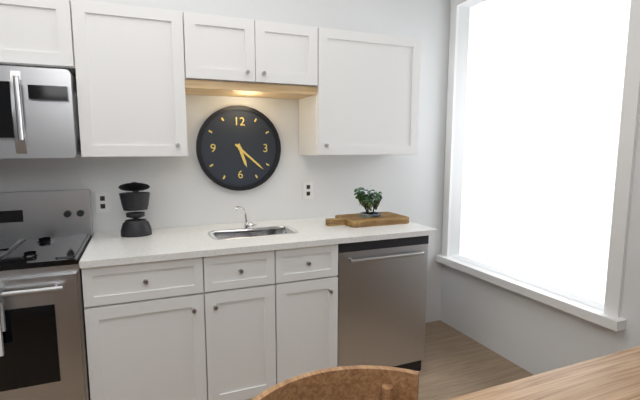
**5:22**
